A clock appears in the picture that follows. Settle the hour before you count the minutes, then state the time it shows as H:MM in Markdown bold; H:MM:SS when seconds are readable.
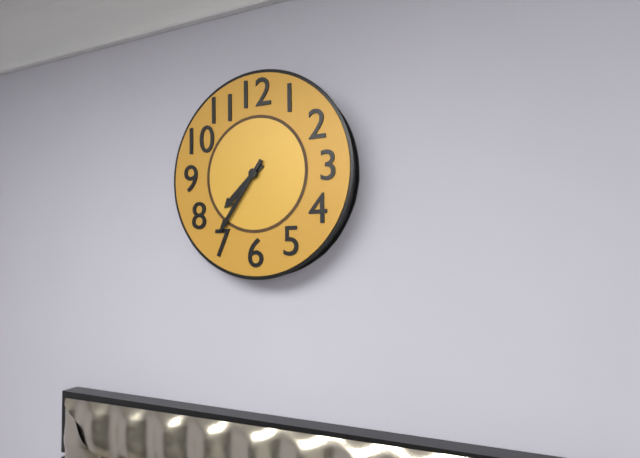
**7:36**
